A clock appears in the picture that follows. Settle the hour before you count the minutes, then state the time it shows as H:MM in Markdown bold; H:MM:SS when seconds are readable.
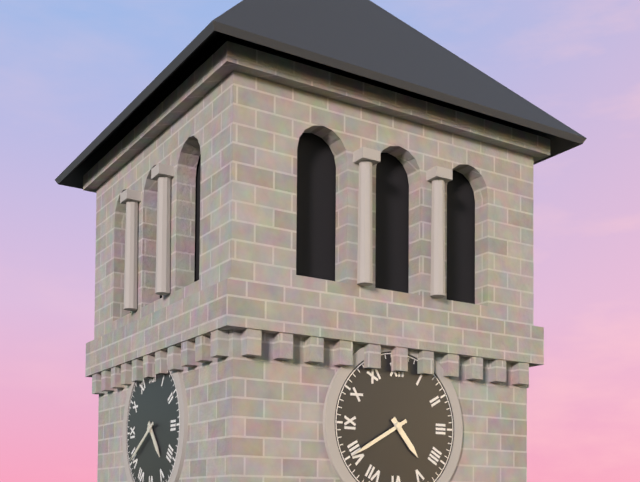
**4:40**
